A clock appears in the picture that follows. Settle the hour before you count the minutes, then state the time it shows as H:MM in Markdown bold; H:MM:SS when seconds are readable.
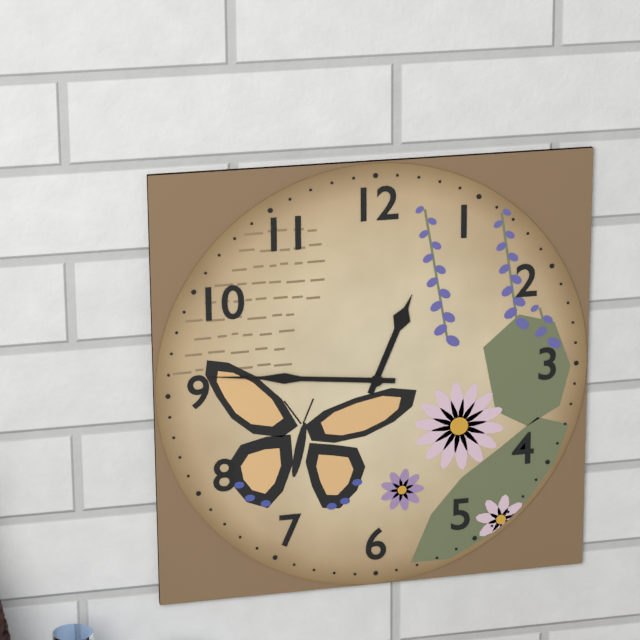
**12:46**
